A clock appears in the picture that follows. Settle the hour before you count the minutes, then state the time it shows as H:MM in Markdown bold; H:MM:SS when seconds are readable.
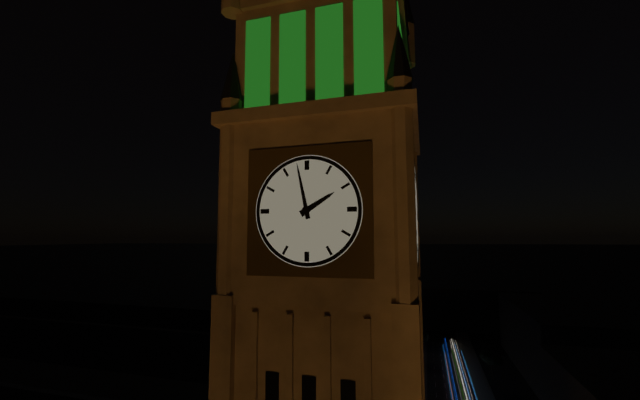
**1:58**
